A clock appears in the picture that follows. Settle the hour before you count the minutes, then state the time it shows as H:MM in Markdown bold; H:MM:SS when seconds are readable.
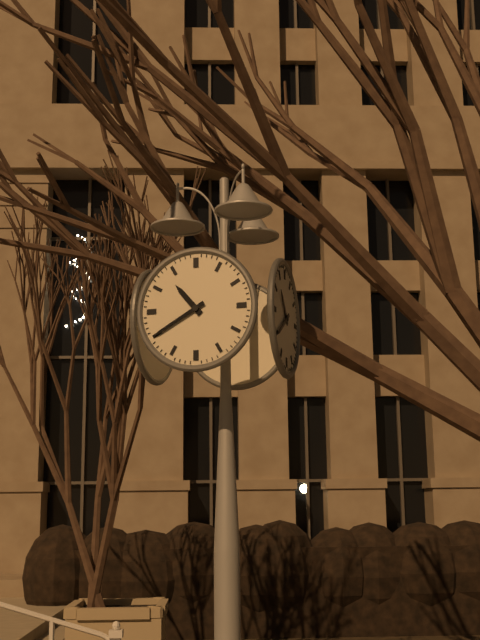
**10:40**
